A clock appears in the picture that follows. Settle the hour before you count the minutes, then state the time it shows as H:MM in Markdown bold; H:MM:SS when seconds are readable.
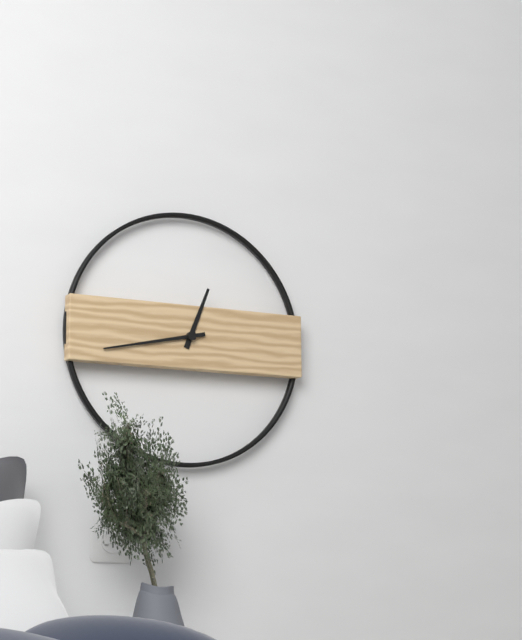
**12:43**
